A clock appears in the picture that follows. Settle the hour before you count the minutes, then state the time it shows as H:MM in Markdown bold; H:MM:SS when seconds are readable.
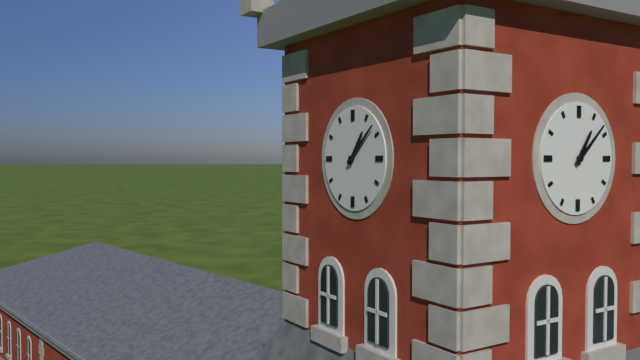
**1:08**
